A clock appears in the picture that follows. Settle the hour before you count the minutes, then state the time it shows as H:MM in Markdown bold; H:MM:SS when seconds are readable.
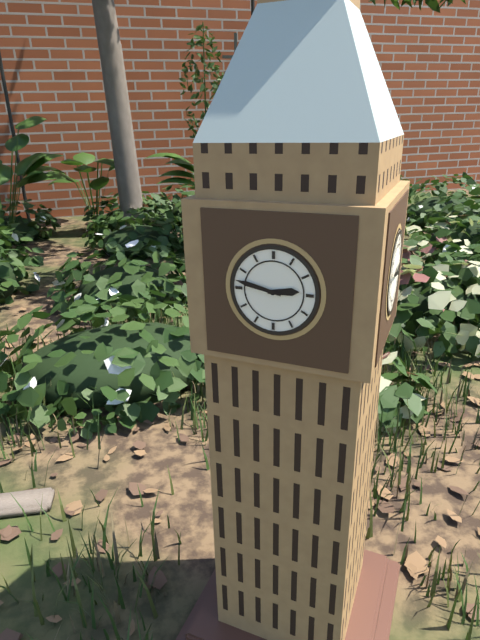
**2:47**
